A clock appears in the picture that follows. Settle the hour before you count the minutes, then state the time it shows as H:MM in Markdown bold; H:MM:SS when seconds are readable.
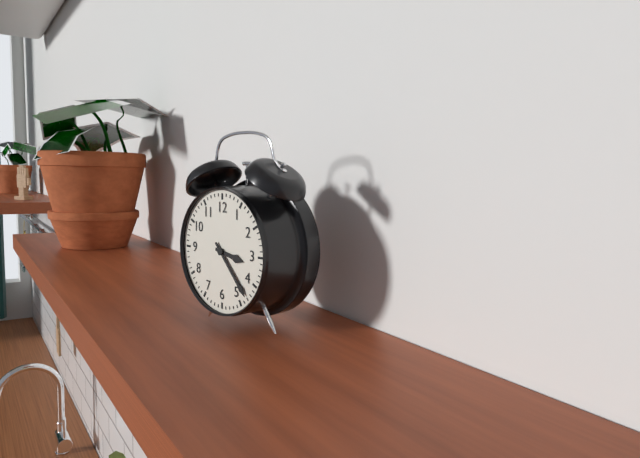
**3:23**
